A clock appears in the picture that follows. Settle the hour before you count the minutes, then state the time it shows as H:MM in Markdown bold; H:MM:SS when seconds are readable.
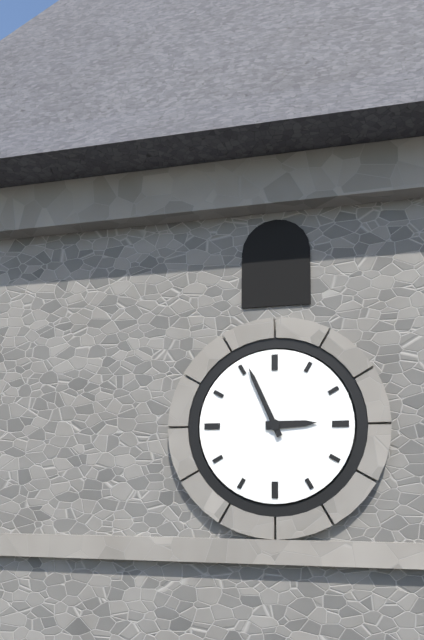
**2:56**
